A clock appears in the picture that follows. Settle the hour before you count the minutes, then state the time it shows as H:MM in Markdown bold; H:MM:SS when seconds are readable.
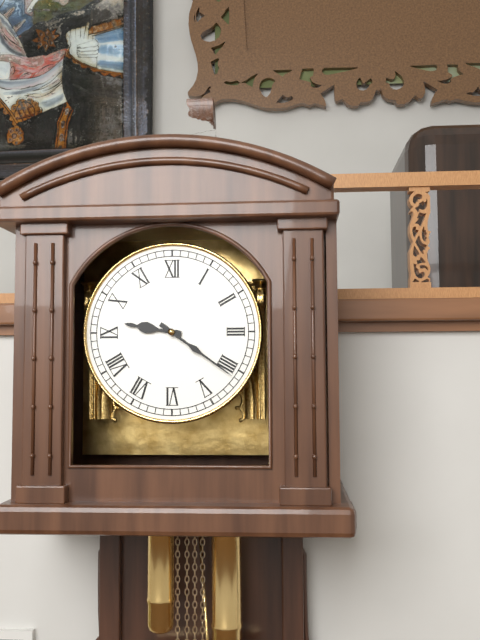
**9:21**
